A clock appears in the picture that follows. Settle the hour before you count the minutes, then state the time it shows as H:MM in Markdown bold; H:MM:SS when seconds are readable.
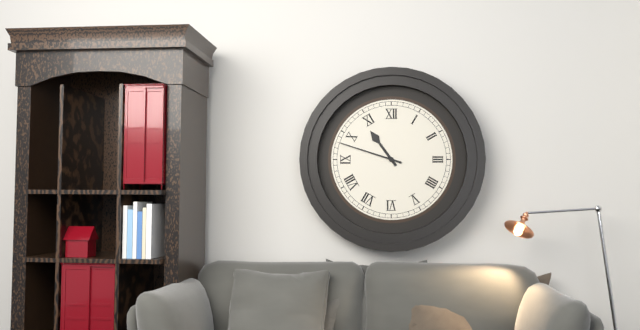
**10:48**
